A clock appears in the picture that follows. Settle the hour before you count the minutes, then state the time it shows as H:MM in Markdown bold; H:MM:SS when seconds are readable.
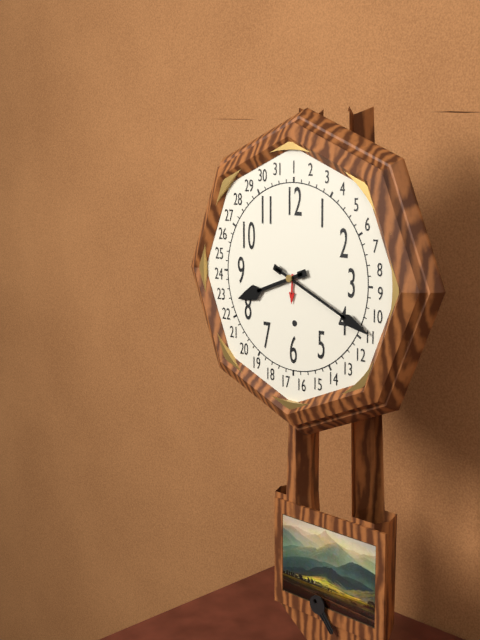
**8:19**
